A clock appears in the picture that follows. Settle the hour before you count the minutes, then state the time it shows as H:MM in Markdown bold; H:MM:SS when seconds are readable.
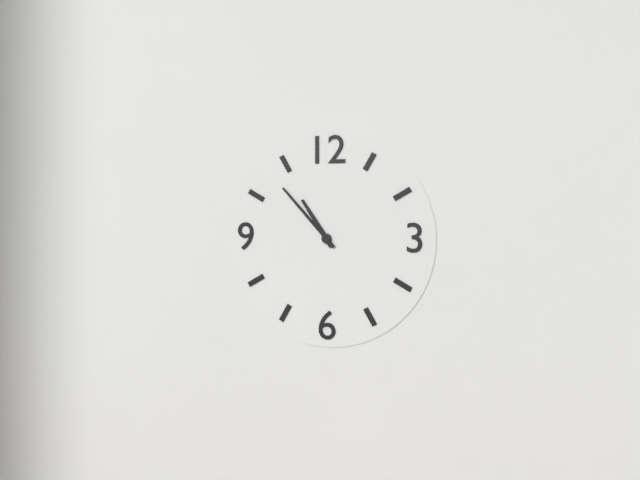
**10:53**
